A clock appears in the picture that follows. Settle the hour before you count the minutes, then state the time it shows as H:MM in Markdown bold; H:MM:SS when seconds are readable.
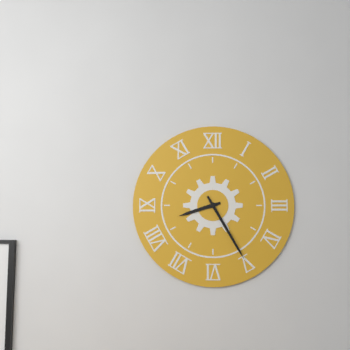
**8:25**
